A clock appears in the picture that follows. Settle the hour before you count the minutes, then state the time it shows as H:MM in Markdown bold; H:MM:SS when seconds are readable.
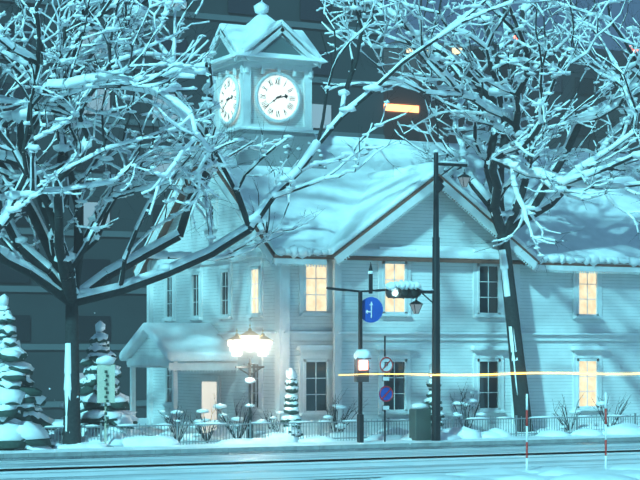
**2:39**
